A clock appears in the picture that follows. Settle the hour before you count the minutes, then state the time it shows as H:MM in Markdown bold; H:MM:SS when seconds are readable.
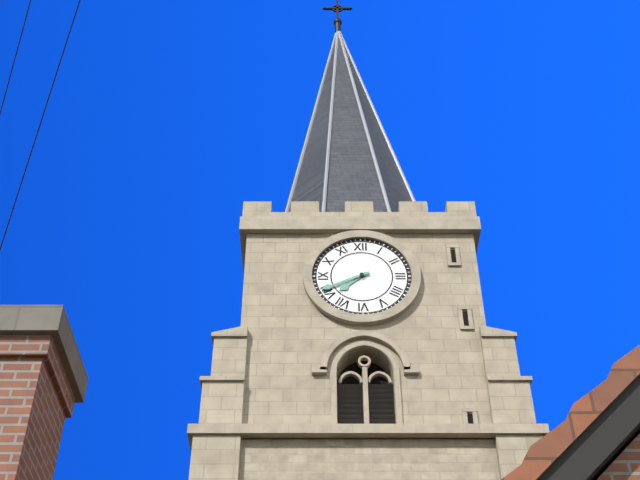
**7:41**
